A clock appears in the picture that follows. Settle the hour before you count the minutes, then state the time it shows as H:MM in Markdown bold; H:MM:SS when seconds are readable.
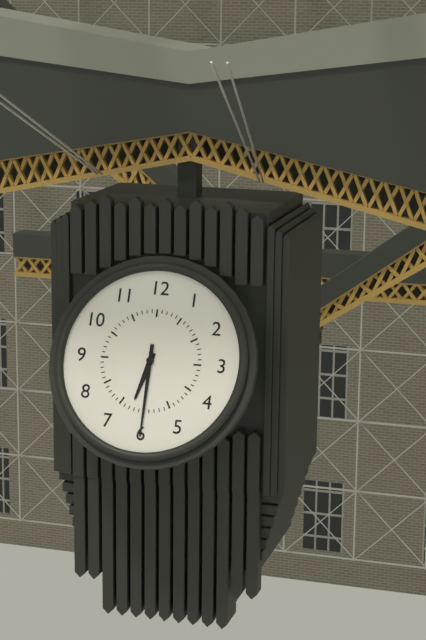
**6:30**
